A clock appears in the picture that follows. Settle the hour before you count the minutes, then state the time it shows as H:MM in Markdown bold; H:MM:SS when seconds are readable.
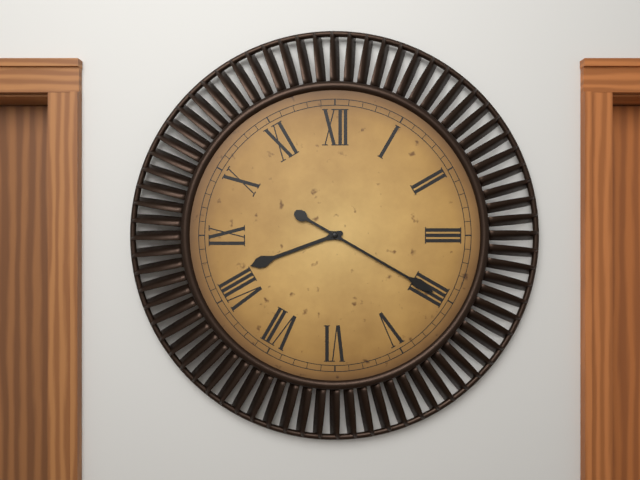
**8:20**
